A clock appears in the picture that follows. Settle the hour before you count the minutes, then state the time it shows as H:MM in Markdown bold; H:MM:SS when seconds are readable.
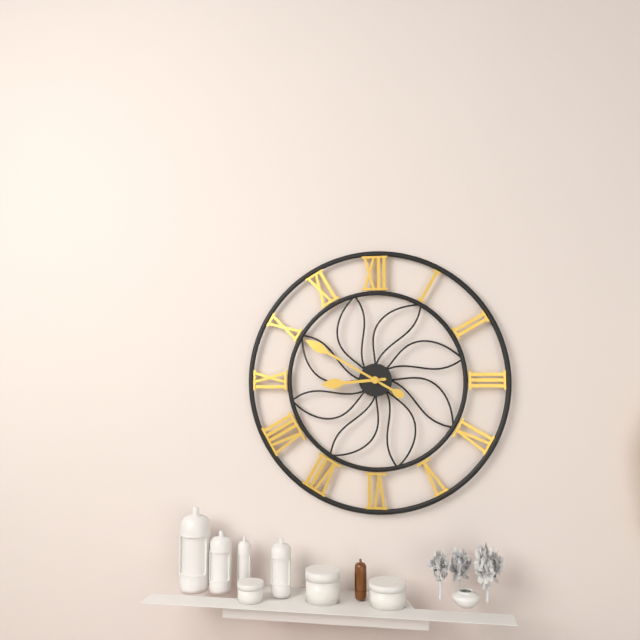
**8:50**
